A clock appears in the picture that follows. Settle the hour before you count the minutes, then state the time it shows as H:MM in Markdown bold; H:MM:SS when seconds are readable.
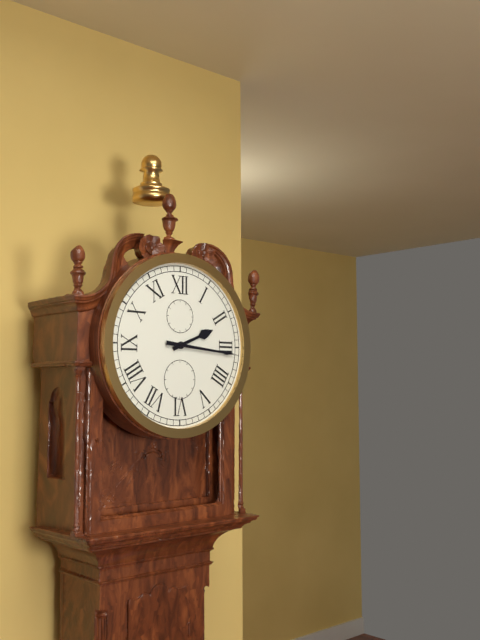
**2:16**
